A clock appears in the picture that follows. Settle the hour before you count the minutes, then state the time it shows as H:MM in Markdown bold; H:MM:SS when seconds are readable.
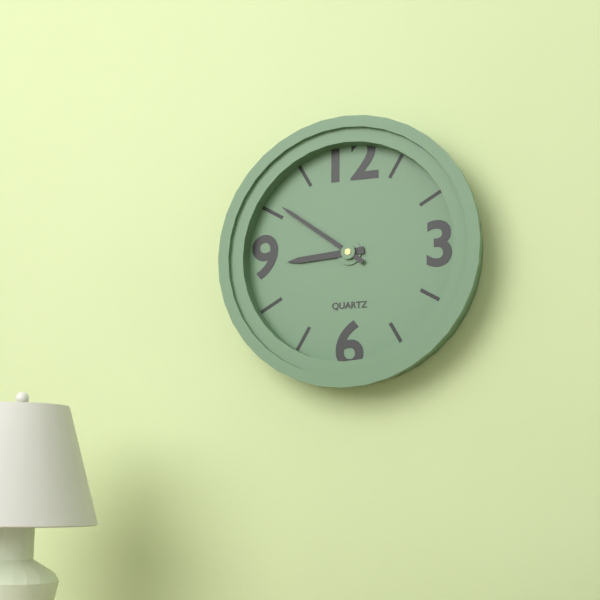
**8:51**
